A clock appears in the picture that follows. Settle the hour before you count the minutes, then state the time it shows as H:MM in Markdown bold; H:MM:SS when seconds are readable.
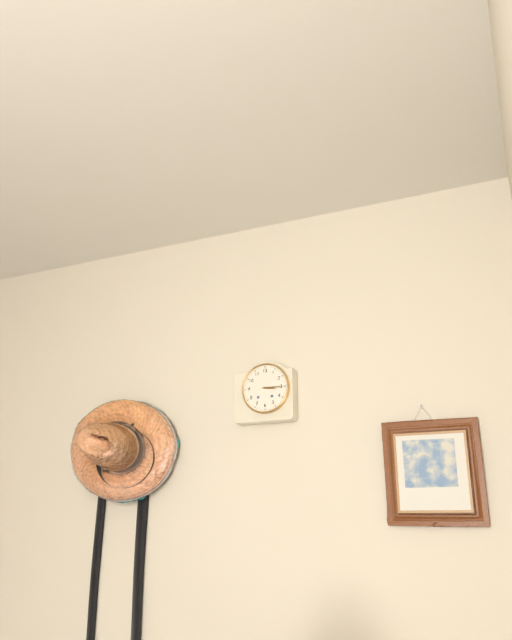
**3:15**
